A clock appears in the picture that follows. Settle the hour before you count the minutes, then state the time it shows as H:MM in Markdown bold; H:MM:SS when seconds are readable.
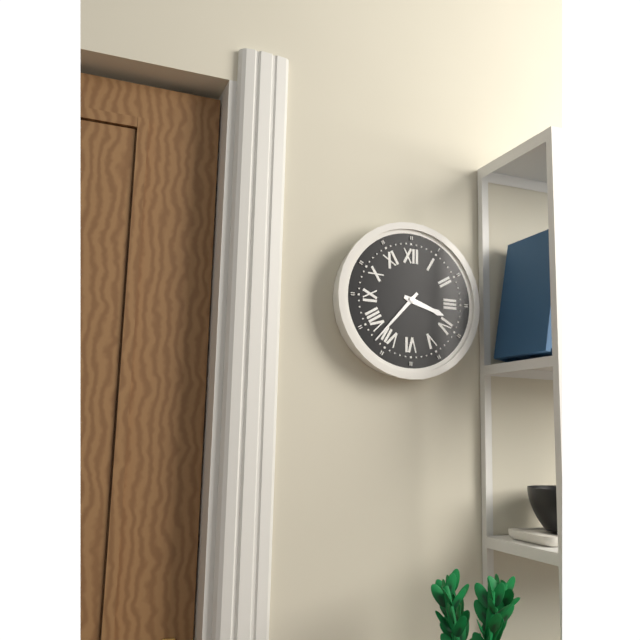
**3:37**
